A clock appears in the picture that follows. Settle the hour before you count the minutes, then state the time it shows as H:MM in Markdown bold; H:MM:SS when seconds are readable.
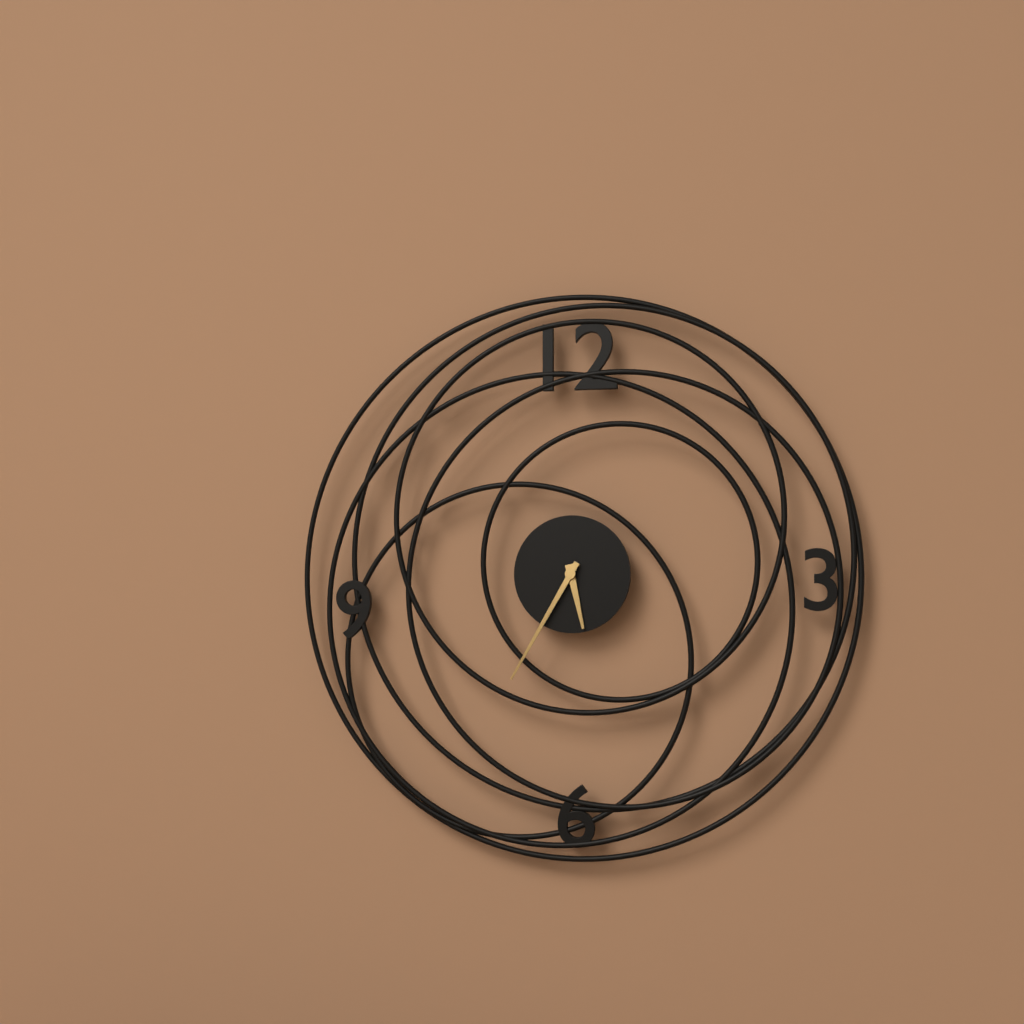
**5:35**
